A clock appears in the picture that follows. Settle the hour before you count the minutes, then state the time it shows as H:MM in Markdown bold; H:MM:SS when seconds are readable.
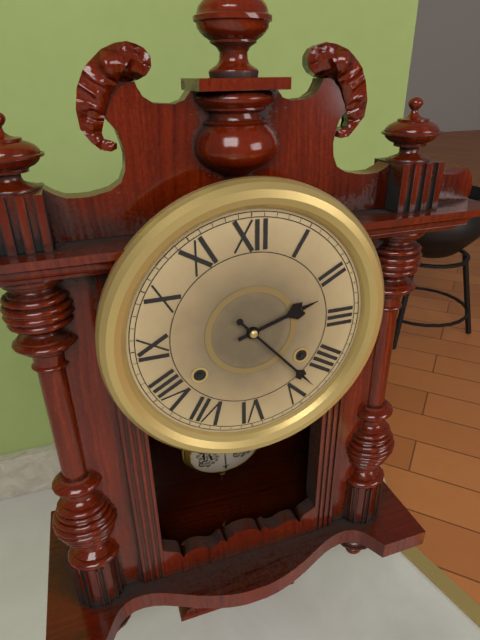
**2:23**
